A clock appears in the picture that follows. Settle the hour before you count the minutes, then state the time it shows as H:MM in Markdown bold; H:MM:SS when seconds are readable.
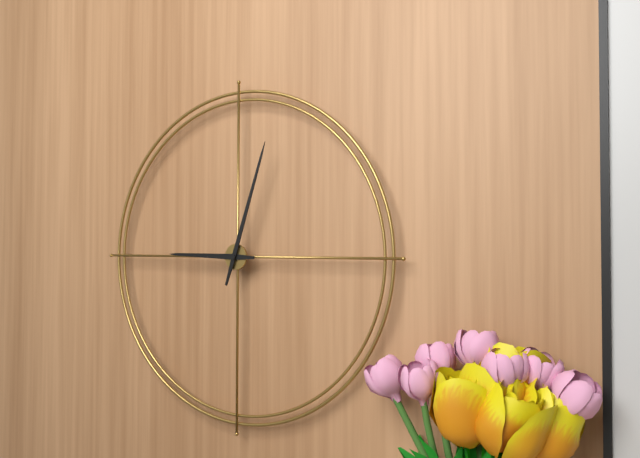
**9:03**
